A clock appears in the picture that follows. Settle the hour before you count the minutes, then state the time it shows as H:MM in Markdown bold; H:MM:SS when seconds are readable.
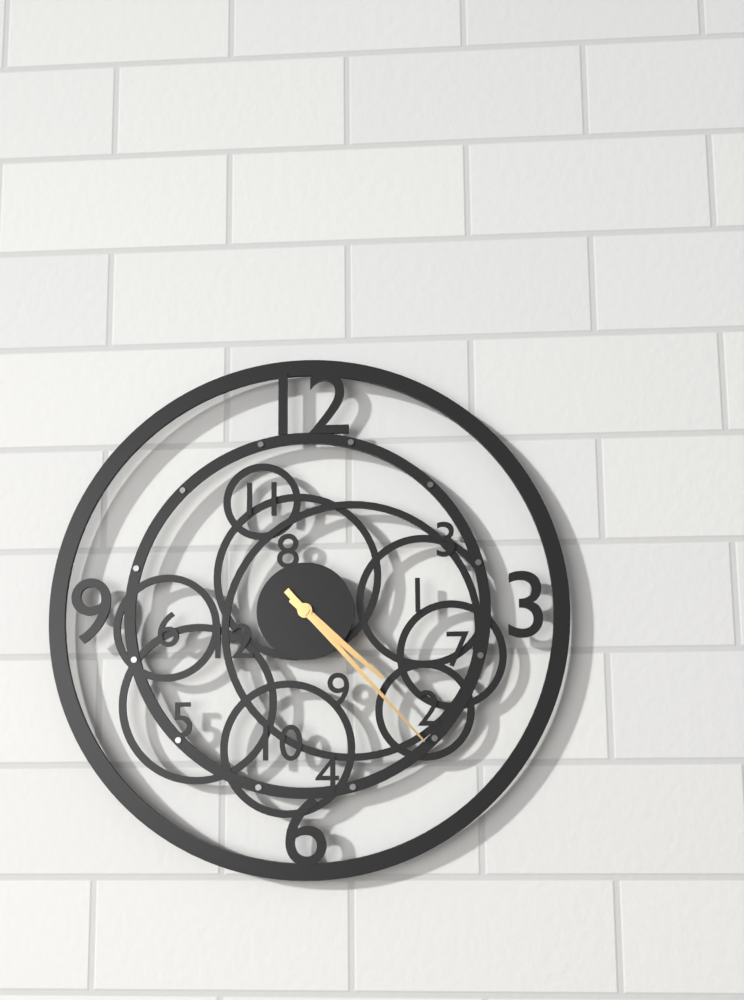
**4:23**
